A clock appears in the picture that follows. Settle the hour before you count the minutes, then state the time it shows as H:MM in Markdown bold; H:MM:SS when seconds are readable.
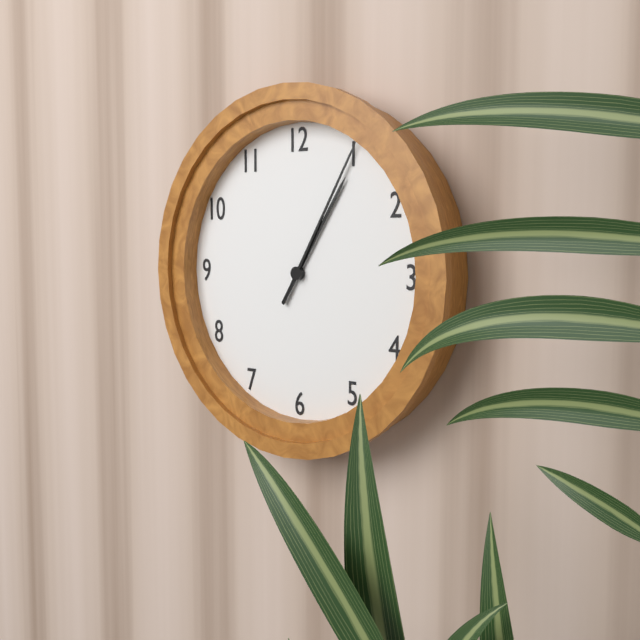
**1:05**
